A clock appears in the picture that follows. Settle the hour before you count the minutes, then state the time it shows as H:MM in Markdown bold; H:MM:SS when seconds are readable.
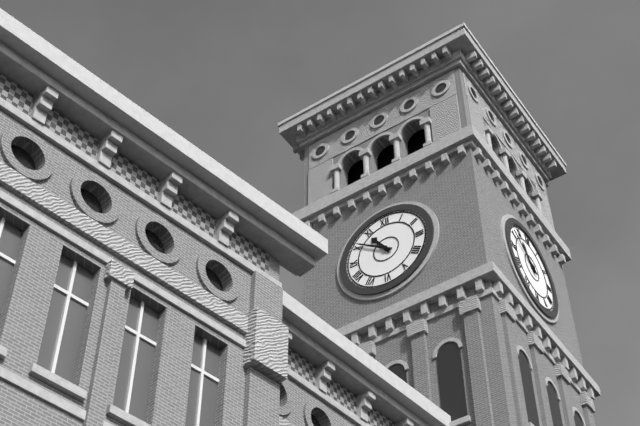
**10:51**
